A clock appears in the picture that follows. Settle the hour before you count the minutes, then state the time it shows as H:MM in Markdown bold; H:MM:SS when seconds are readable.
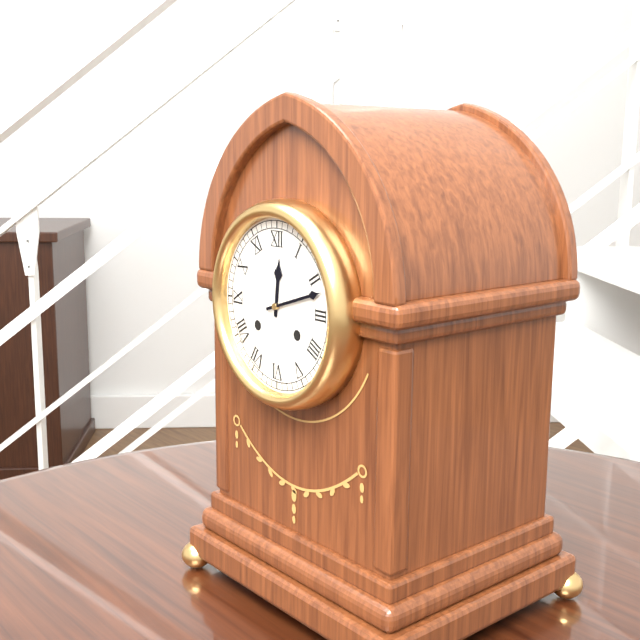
**12:12**
